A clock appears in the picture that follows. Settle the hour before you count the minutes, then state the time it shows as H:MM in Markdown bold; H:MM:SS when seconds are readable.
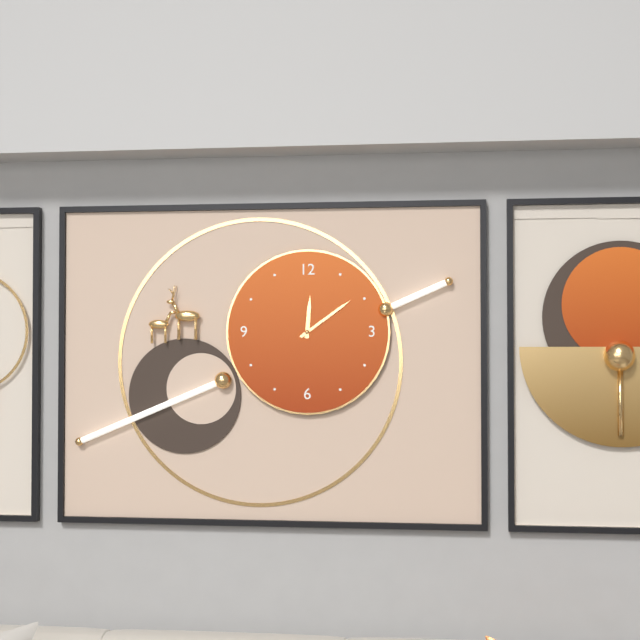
**12:09**
